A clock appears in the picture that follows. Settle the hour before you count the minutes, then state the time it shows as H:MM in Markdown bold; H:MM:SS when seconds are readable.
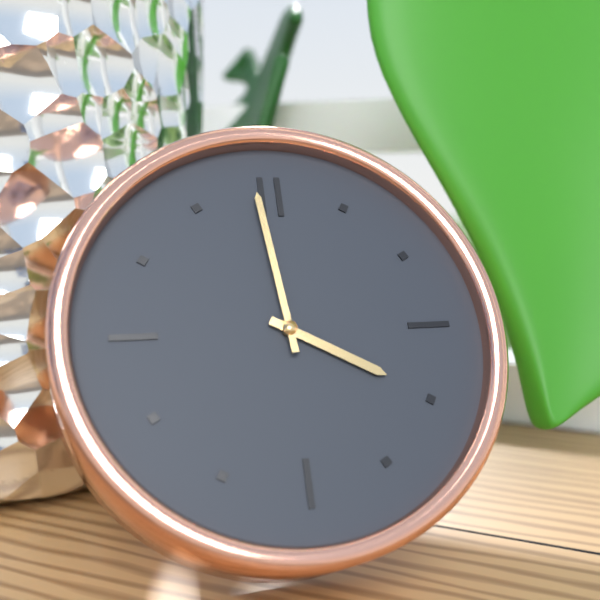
**3:59**
